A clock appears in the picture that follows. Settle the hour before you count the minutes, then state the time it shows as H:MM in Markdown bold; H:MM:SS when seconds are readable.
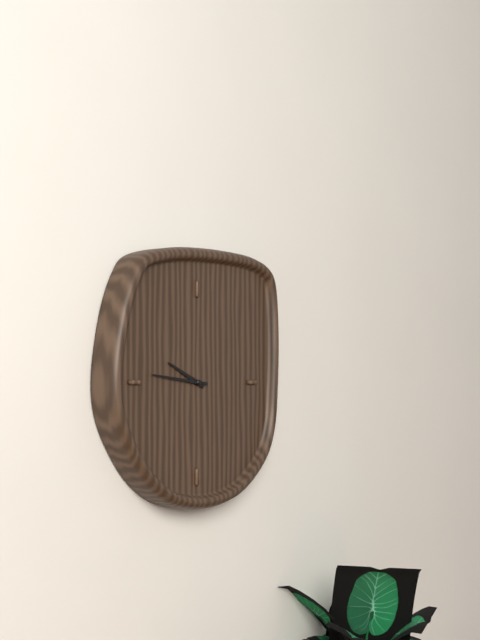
**9:46**
